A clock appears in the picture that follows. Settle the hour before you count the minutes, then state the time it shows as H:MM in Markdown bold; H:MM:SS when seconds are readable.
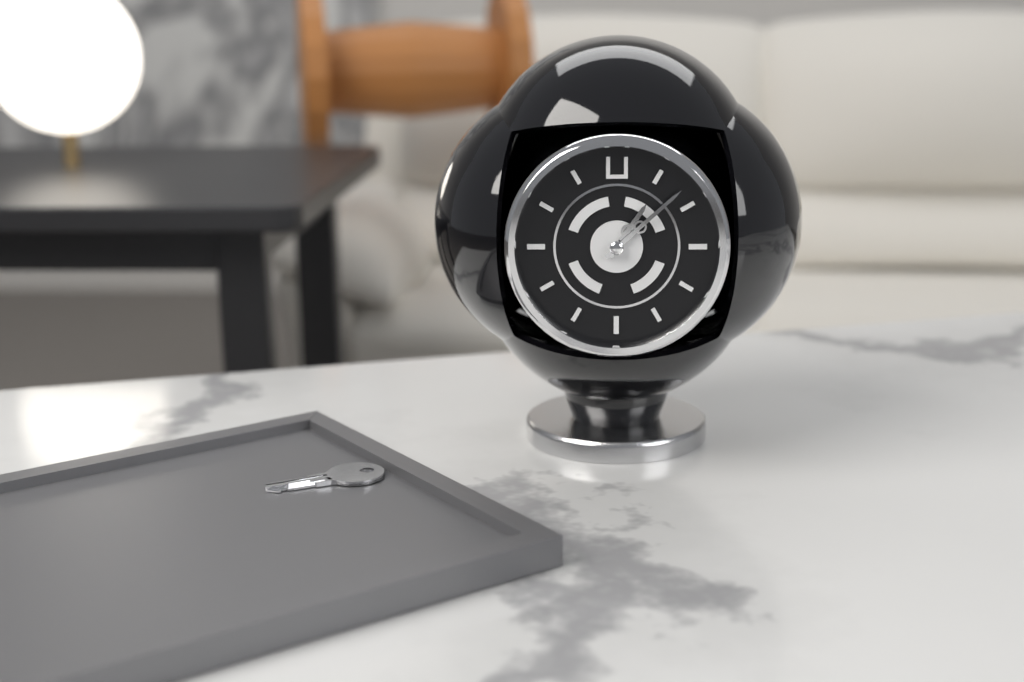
**1:08**
